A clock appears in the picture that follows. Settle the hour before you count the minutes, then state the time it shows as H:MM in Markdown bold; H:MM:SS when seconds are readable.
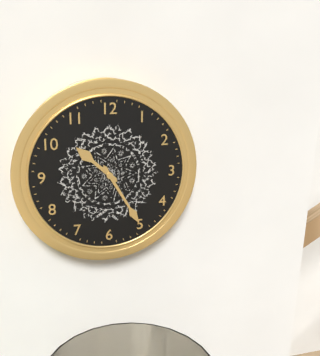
**10:25**
